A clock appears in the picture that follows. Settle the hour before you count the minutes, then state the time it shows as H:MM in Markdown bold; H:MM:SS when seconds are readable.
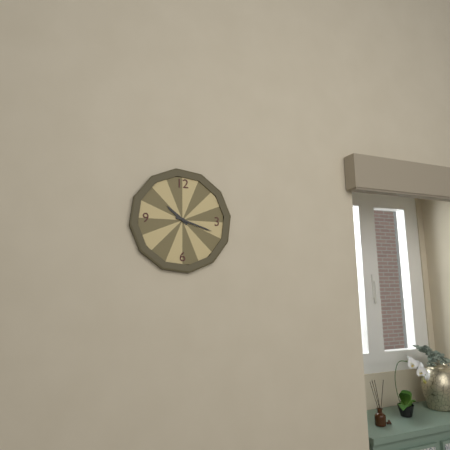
**10:18**
